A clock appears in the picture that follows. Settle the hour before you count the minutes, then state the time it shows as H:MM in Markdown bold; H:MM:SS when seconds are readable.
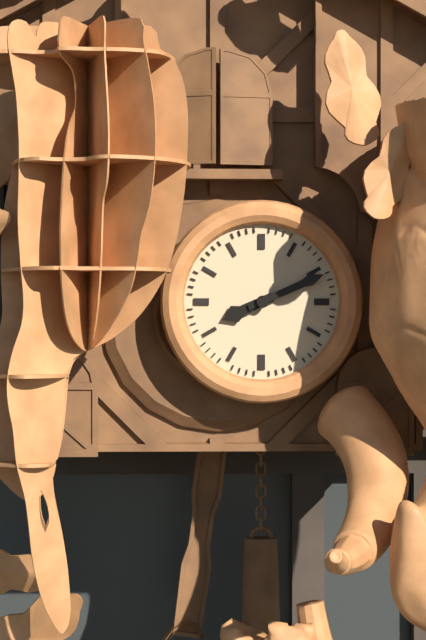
**8:11**
